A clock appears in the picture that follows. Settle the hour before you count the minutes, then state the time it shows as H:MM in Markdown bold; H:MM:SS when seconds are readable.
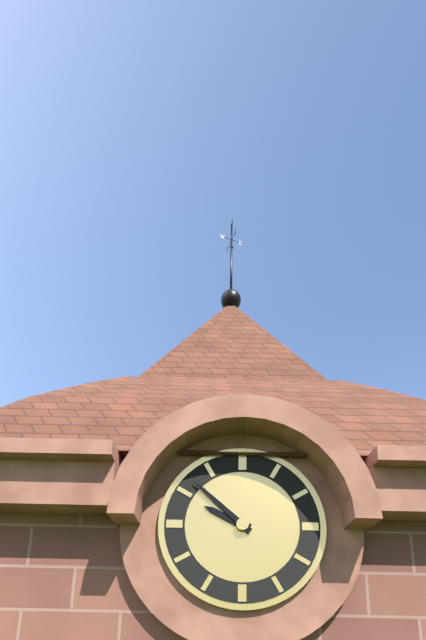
**9:52**
